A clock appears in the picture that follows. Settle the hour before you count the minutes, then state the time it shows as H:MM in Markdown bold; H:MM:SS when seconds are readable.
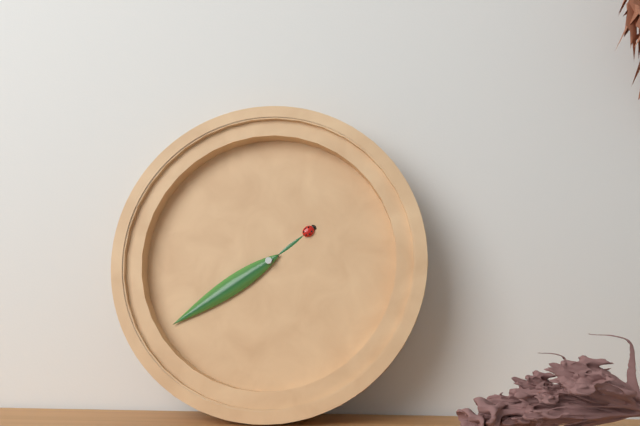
**1:39**
